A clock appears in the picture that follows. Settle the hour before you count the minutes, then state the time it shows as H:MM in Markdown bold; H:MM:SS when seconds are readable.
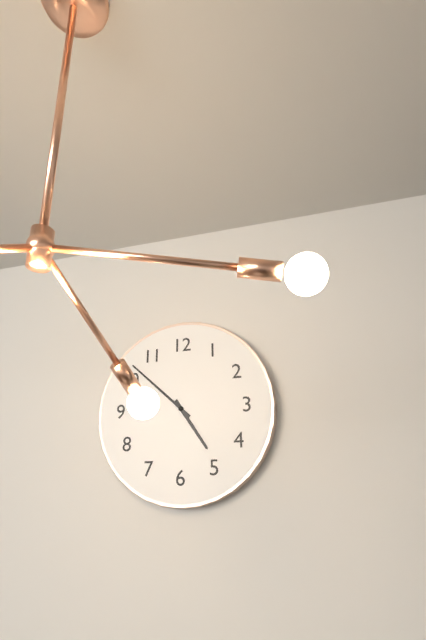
**4:52**
